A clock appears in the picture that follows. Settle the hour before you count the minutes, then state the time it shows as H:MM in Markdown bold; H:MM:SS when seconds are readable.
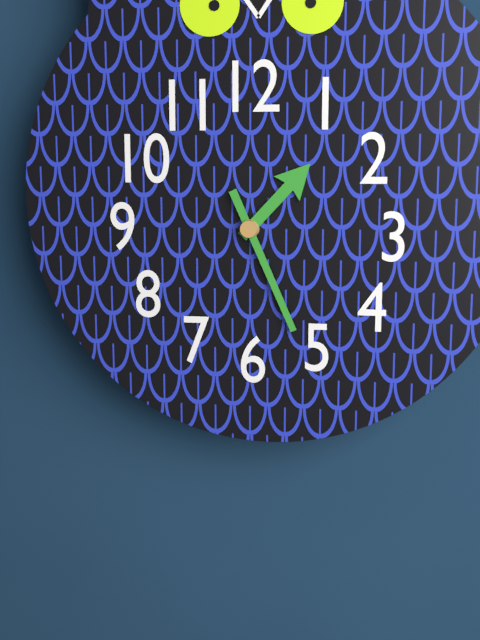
**1:26**
